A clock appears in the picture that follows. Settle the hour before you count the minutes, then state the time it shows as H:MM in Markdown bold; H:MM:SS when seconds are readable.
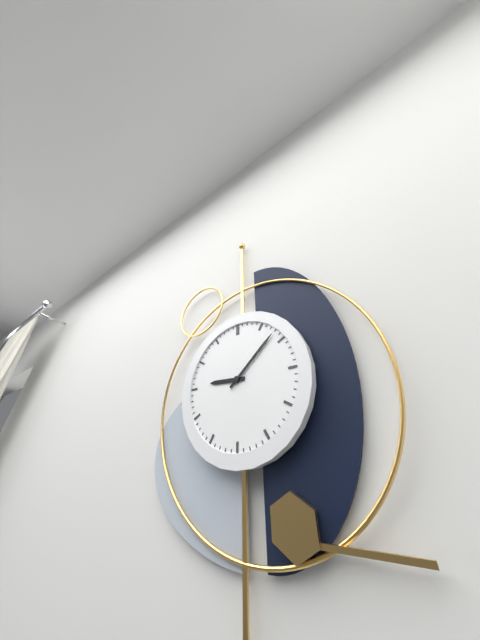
**9:08**
